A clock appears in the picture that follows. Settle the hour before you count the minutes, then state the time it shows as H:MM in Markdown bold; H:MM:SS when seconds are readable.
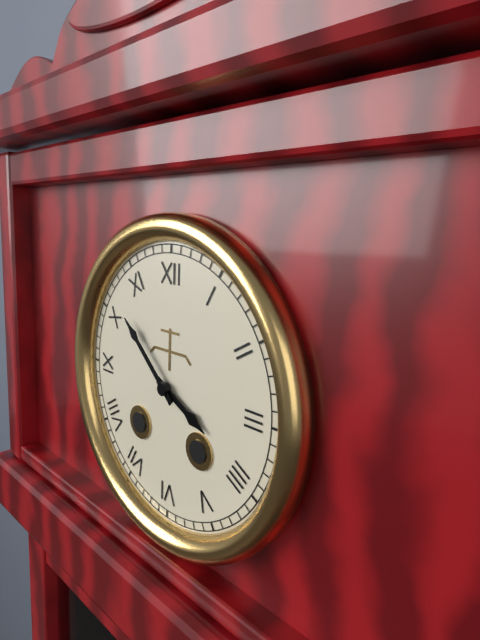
**3:52**
